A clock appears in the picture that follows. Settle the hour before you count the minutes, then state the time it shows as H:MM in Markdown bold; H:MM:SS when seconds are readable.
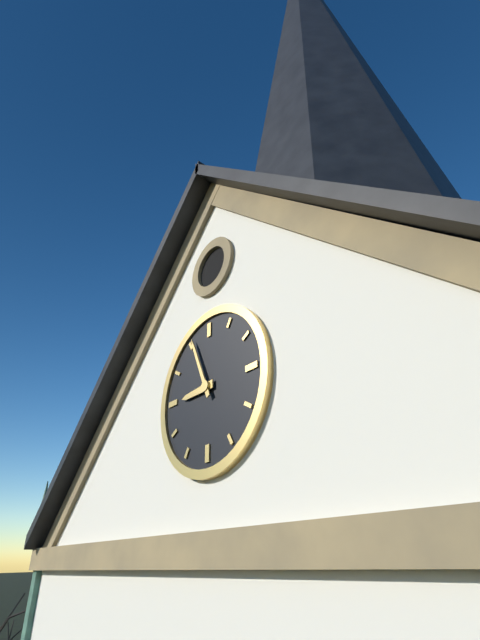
**8:56**
